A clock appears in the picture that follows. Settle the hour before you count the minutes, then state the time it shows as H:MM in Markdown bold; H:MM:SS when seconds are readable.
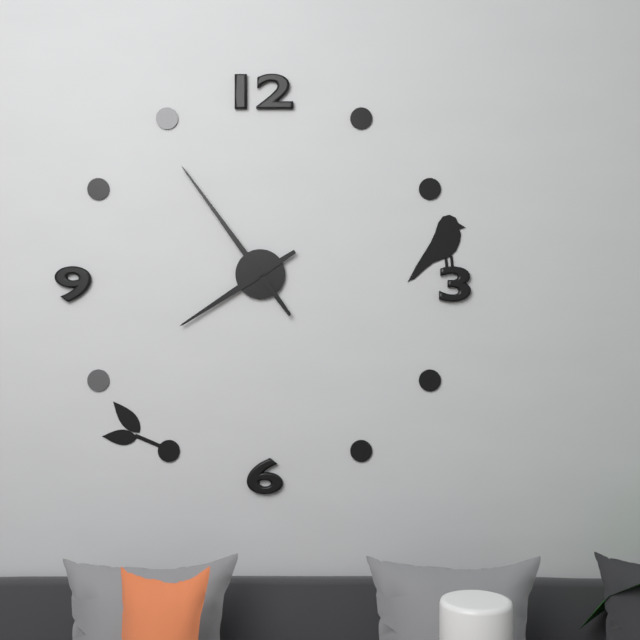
**7:54**
